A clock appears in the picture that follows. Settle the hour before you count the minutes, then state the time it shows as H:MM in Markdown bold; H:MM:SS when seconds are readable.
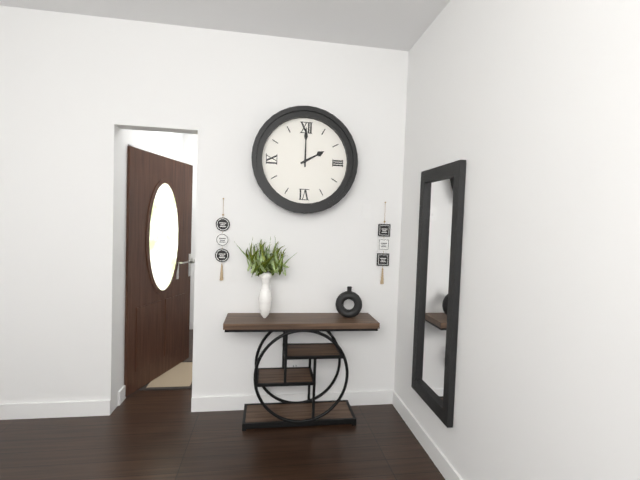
**2:00**
